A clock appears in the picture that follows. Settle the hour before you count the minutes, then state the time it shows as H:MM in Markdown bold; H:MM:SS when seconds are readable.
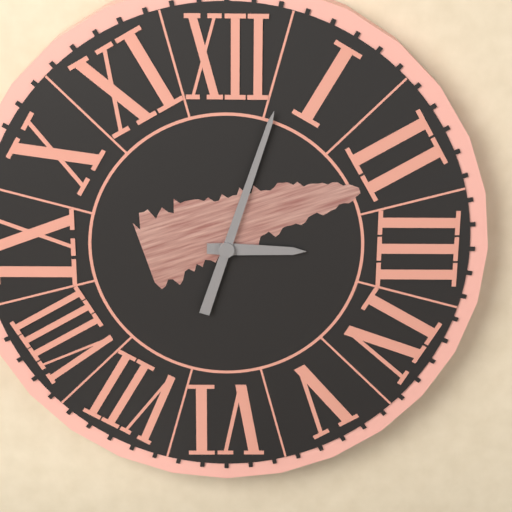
**3:03**
